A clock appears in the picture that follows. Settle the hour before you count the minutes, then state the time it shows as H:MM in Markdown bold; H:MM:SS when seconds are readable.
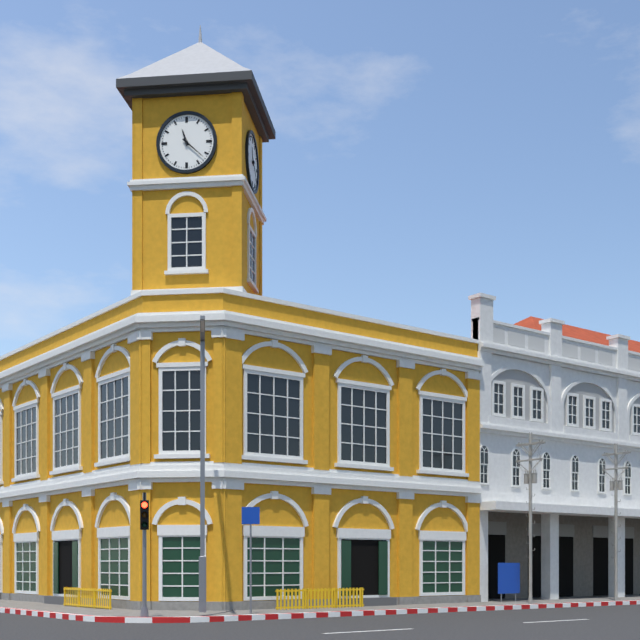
**11:22**
